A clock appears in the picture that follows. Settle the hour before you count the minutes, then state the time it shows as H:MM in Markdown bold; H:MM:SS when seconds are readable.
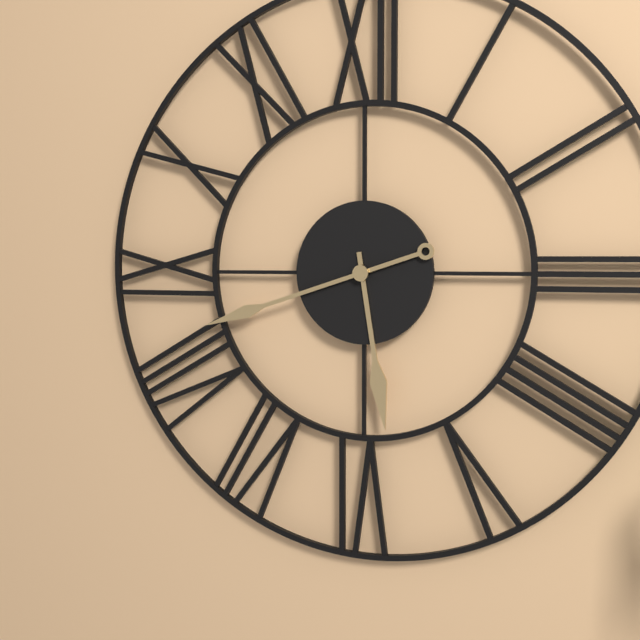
**5:42**
